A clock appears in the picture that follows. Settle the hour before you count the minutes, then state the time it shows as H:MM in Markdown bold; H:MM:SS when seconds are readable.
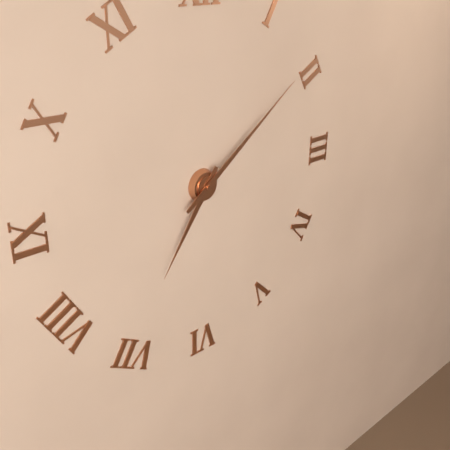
**7:09**
